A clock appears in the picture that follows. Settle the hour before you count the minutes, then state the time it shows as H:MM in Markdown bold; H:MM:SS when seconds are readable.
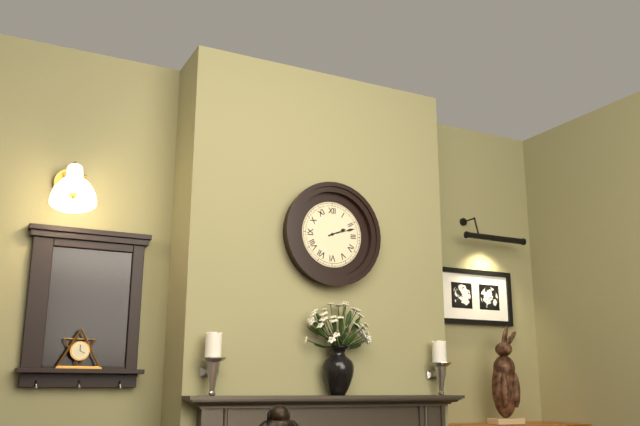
**2:12**
